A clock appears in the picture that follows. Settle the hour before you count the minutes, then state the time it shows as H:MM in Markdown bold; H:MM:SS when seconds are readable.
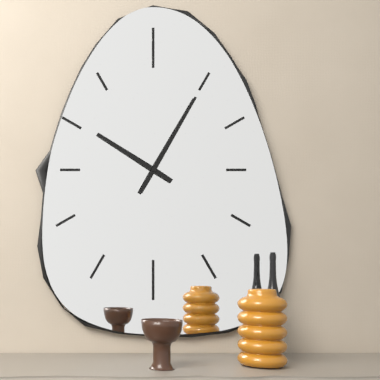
**10:05**
